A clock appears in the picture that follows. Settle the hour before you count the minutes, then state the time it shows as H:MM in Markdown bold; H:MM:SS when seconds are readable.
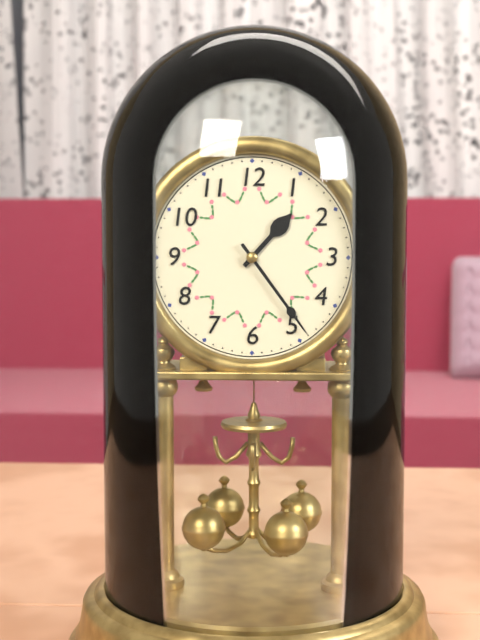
**1:24**
